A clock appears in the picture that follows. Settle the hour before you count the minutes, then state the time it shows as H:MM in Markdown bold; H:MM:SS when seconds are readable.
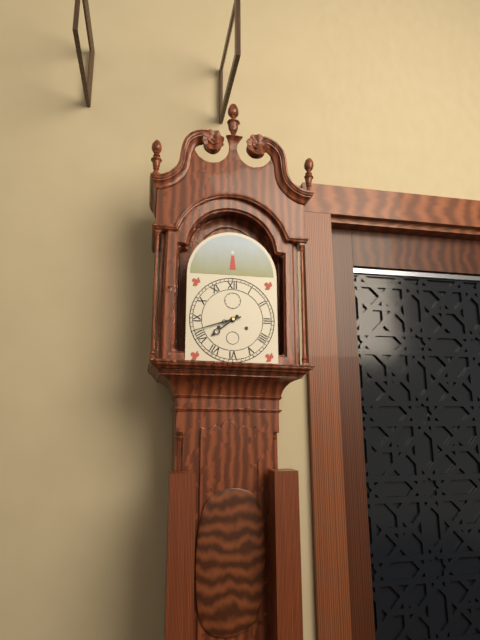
**7:42**
